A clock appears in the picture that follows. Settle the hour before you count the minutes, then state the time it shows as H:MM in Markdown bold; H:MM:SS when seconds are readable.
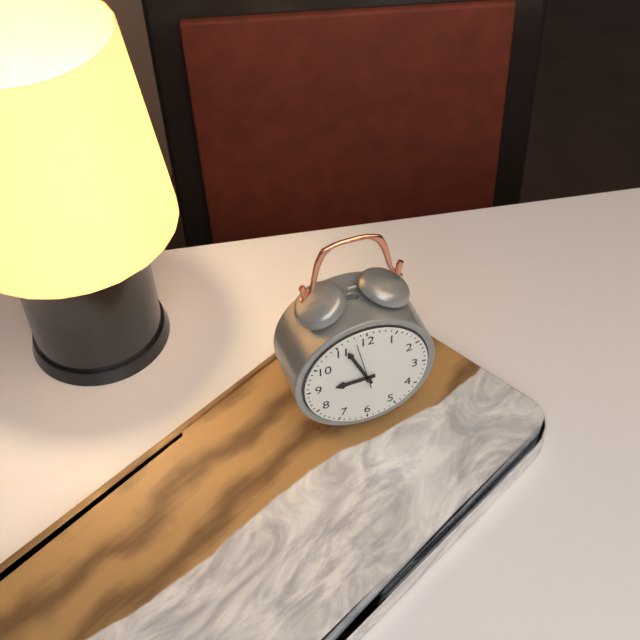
**8:56**
